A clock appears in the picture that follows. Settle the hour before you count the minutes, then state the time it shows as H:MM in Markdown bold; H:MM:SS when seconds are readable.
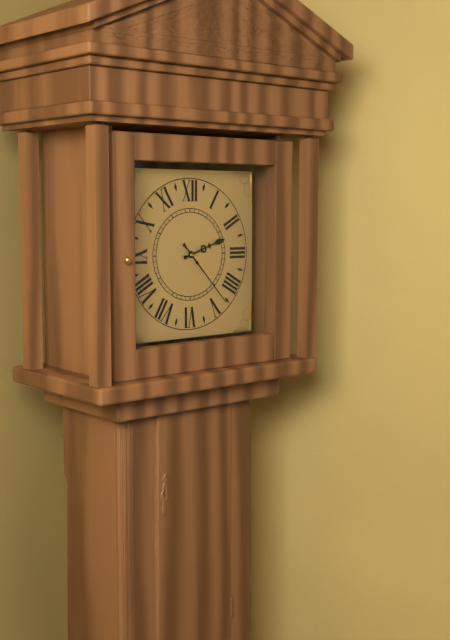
**2:23**
